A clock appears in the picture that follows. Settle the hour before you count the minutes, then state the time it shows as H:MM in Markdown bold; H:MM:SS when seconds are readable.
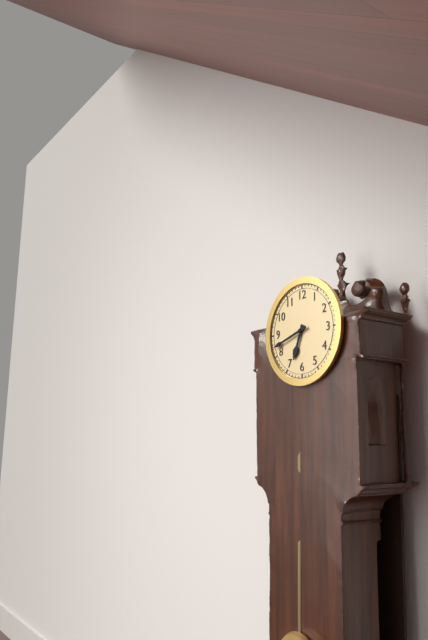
**6:42**
